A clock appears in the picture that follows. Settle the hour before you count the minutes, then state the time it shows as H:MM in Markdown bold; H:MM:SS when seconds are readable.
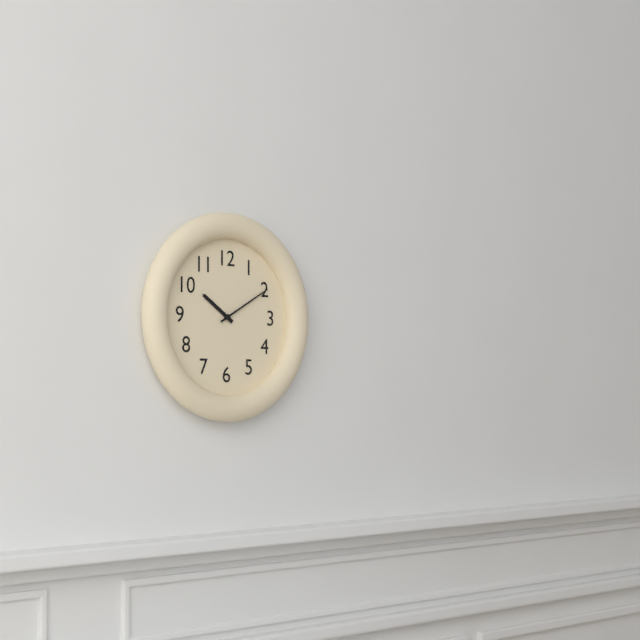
**10:10**
